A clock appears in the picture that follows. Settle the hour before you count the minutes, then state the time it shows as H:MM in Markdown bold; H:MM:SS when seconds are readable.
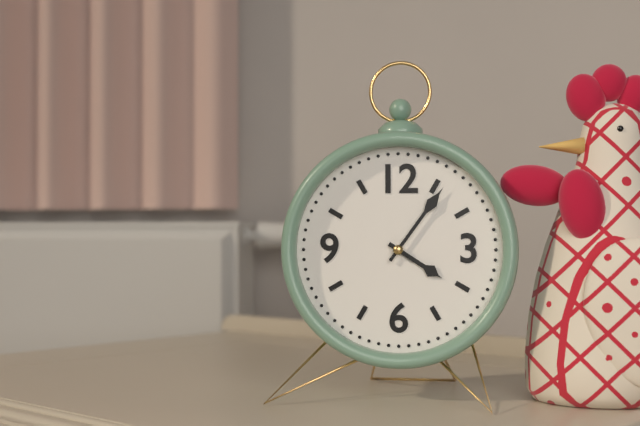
**4:06**
